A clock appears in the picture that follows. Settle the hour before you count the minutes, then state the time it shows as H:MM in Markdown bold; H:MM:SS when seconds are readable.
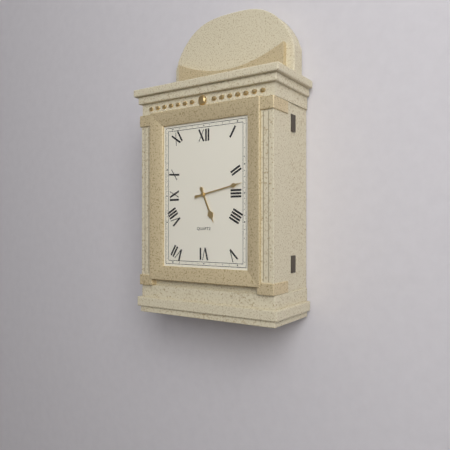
**5:13**
